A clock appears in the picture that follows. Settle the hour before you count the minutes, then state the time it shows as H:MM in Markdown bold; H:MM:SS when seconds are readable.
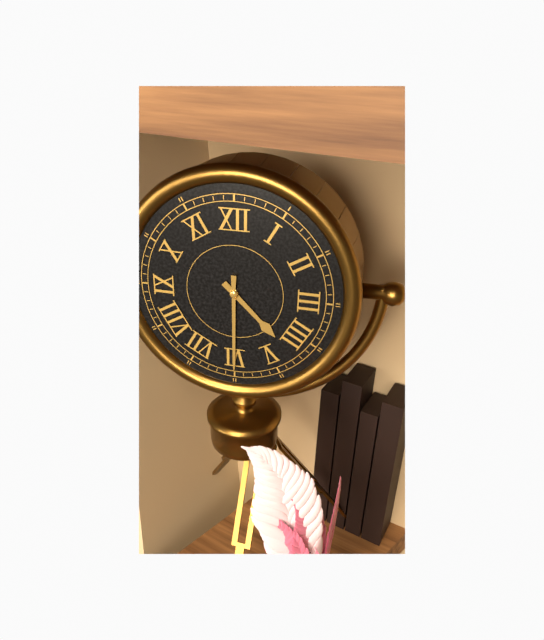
**4:30**
